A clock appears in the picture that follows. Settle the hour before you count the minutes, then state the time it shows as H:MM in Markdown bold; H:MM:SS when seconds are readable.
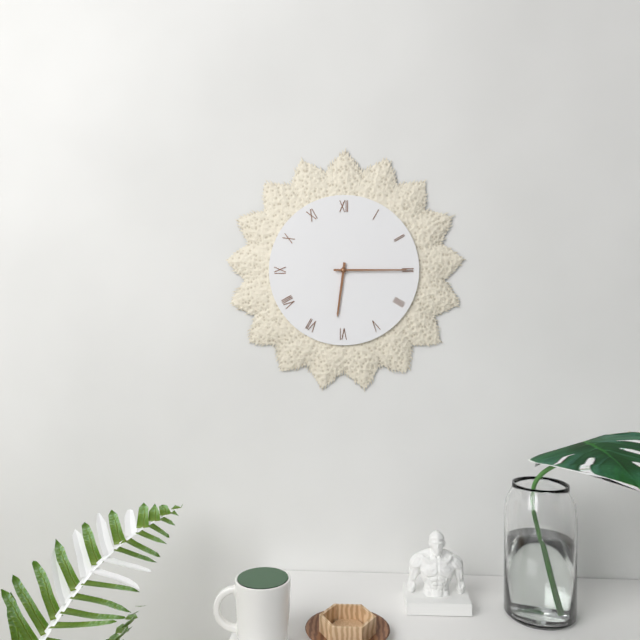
**6:15**
